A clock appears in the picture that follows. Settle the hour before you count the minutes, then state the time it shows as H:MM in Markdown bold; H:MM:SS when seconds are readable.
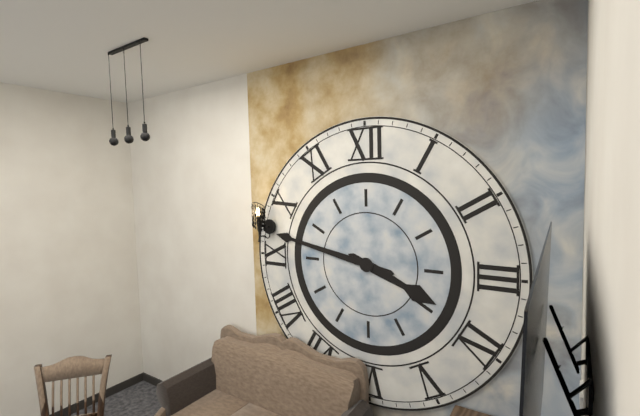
**3:47**
